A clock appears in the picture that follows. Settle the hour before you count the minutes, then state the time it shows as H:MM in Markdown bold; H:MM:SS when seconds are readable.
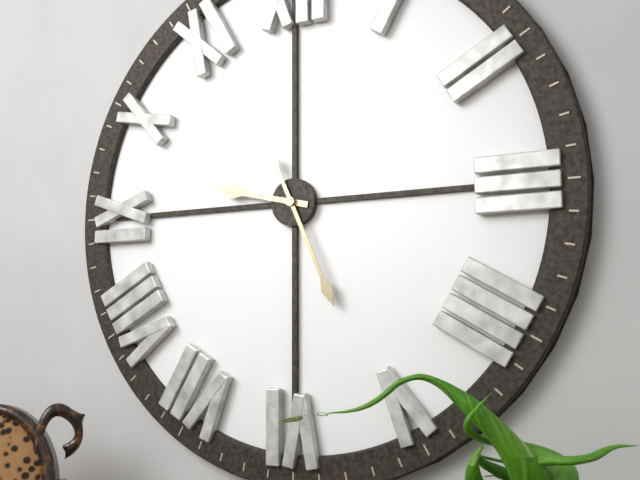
**9:26**
